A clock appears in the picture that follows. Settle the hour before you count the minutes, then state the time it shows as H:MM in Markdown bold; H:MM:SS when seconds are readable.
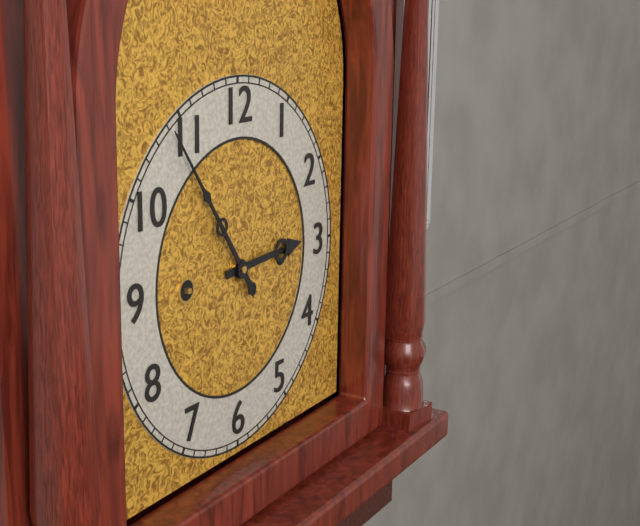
**2:54**
